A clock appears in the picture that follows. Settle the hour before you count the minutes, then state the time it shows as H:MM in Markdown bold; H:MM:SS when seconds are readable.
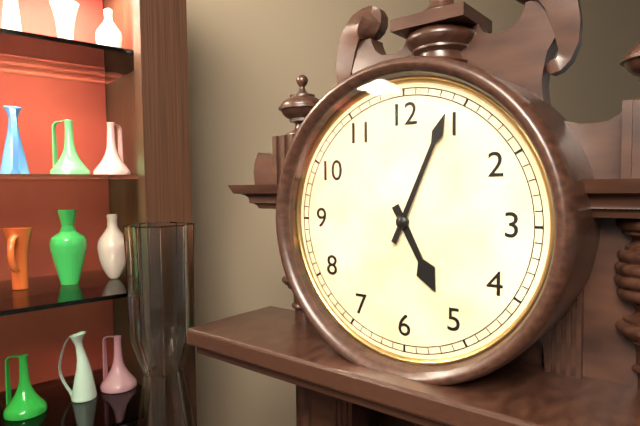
**5:04**
